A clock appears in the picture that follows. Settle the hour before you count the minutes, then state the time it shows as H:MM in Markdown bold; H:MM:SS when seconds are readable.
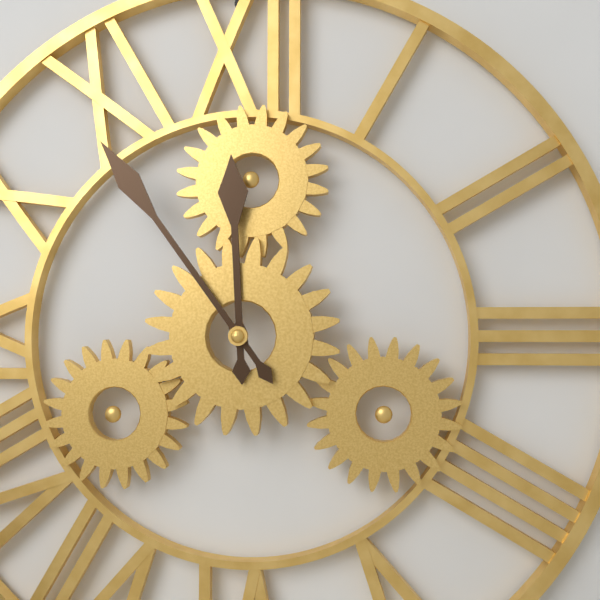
**11:54**
